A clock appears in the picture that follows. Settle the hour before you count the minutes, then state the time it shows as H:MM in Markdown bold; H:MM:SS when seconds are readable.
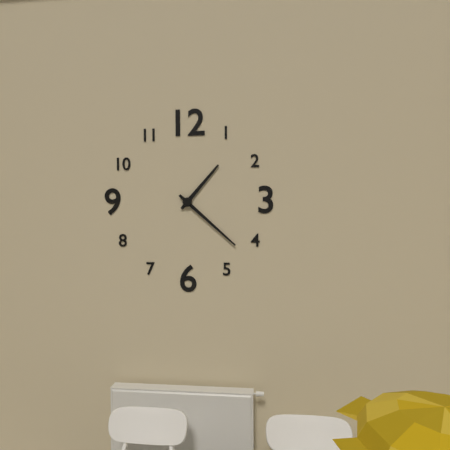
**1:22**
